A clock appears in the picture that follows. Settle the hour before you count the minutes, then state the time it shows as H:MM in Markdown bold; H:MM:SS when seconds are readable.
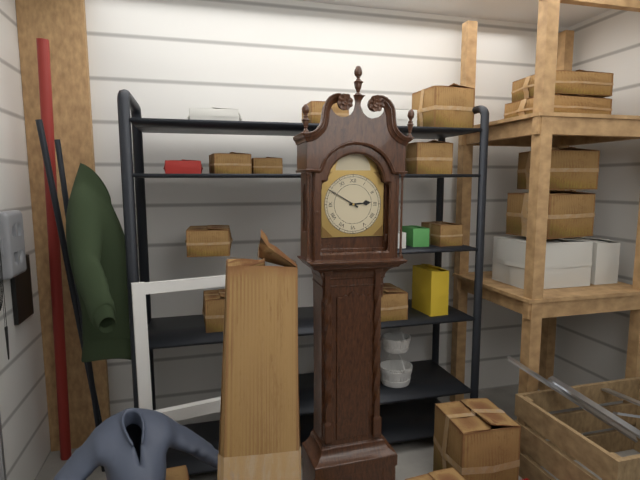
**2:50**
